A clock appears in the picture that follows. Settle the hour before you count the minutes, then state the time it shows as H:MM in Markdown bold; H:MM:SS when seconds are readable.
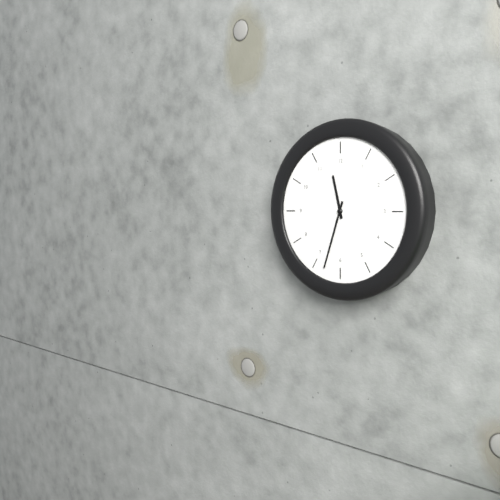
**11:33**
